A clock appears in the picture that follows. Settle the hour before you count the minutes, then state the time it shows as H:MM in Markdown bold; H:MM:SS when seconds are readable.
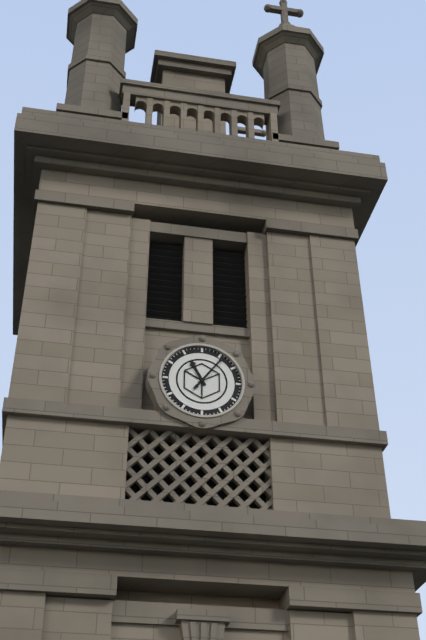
**11:06**
